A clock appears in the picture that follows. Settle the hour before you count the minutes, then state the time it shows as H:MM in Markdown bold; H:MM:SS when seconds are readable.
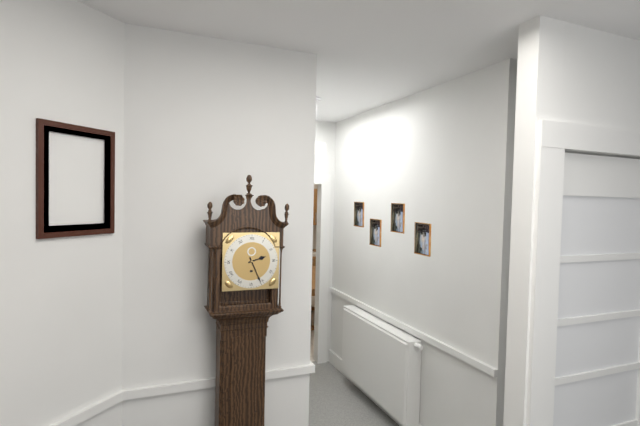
**2:26**
